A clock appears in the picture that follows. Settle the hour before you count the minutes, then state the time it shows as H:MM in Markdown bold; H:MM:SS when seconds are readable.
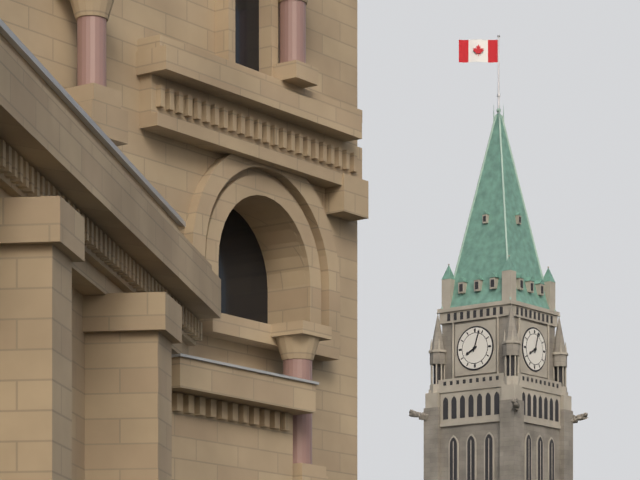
**8:03**
